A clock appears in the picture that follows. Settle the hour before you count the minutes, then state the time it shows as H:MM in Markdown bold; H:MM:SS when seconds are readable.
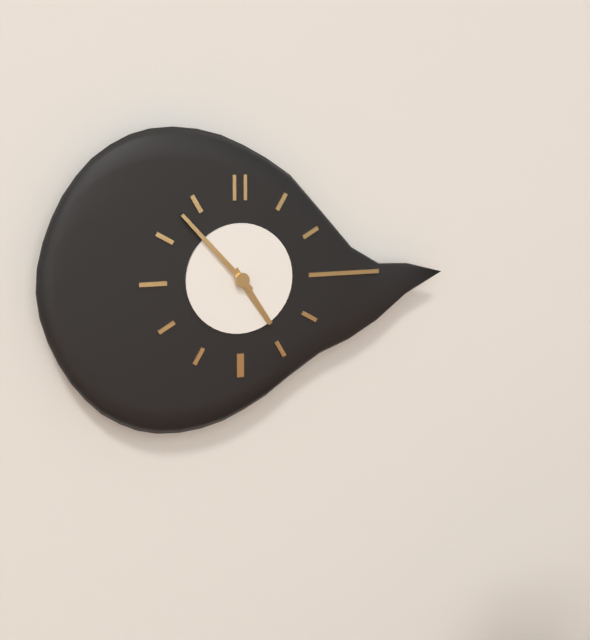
**4:53**
